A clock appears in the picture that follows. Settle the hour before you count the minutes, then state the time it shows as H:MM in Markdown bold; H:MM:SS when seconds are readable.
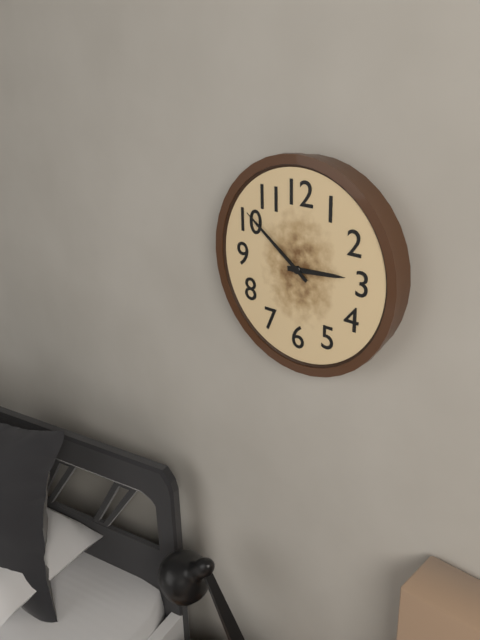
**2:51**
